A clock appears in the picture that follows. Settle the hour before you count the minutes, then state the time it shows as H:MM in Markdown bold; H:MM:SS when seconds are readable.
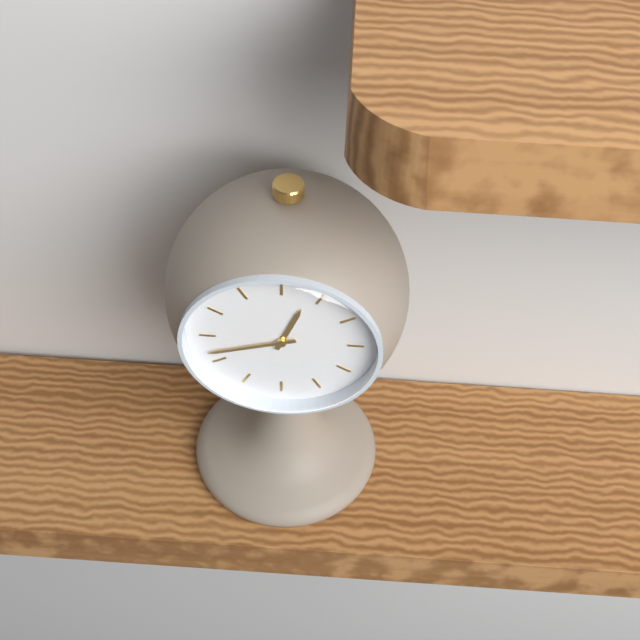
**12:42**
